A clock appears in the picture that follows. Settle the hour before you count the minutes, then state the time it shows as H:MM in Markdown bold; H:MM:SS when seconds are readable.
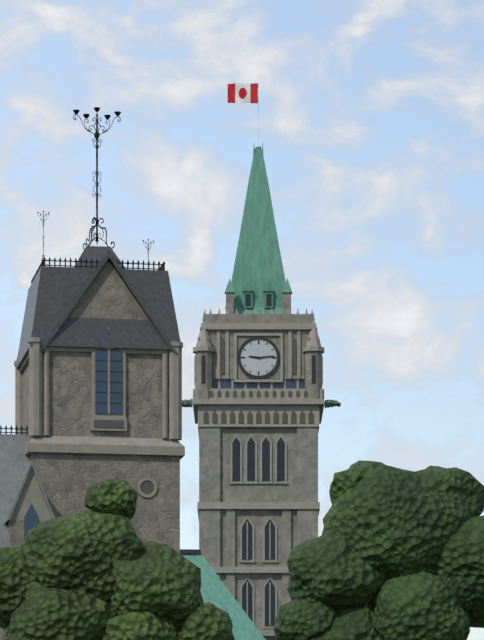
**9:14**
